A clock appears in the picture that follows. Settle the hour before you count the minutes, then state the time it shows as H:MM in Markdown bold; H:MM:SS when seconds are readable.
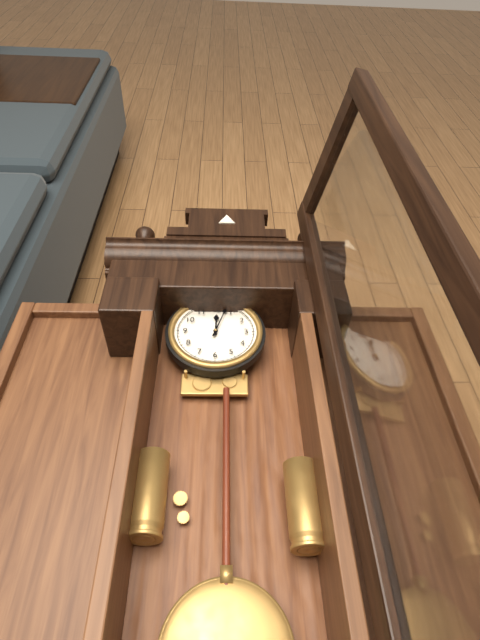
**12:03**
